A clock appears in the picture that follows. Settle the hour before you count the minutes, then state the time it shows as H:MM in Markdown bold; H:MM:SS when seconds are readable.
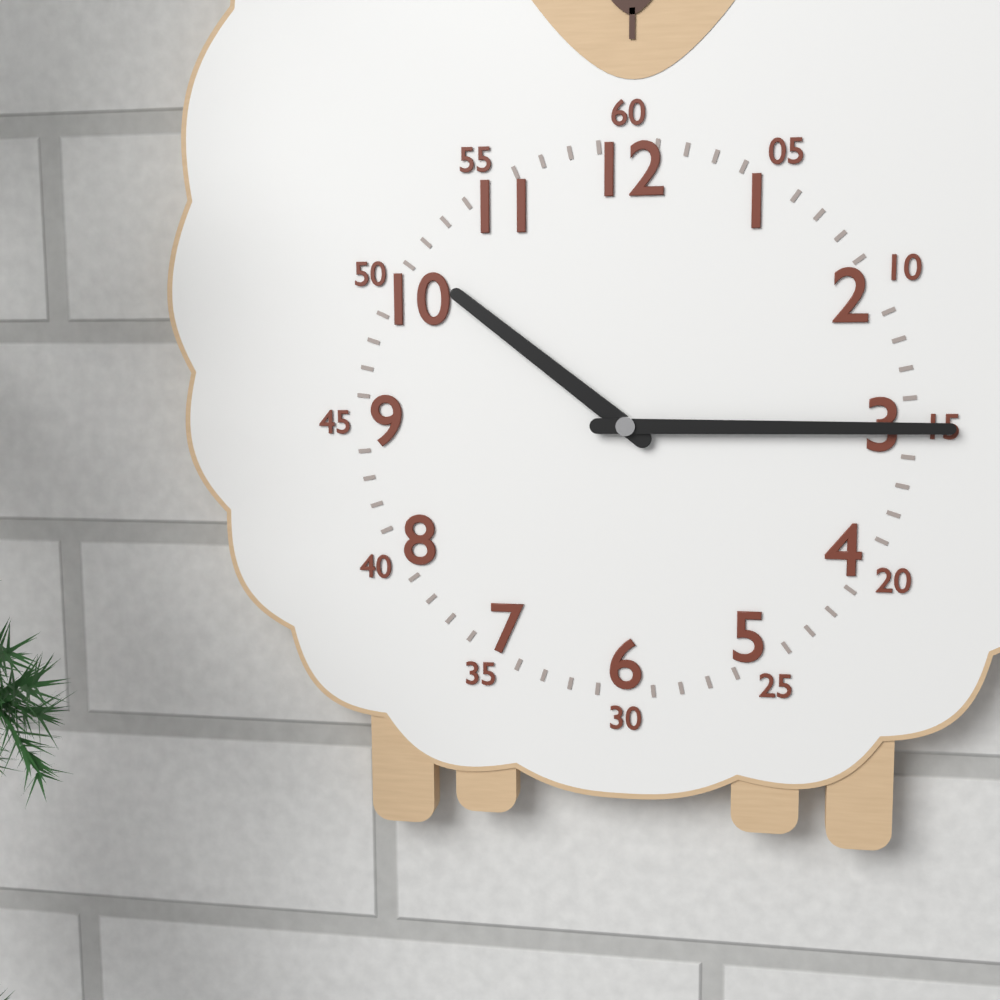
**10:15**
